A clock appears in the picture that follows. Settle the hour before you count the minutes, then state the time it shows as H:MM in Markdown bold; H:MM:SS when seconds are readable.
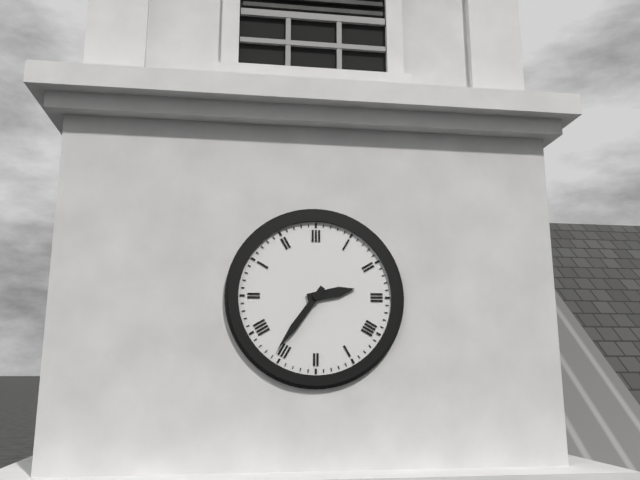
**2:36**
